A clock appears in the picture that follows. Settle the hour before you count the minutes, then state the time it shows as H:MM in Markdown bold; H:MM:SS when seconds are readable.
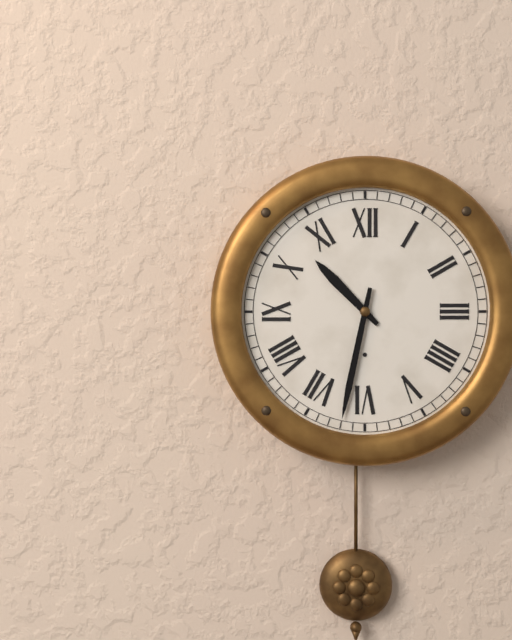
**10:32**
